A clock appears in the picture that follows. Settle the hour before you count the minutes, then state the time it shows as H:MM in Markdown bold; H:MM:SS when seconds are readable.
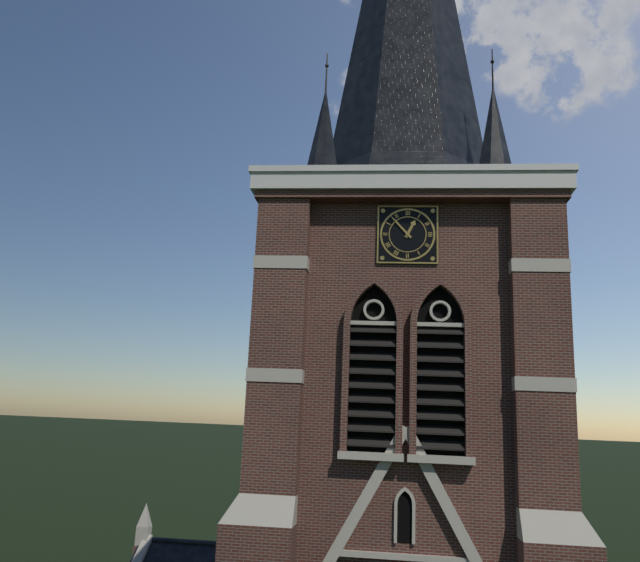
**12:53**
